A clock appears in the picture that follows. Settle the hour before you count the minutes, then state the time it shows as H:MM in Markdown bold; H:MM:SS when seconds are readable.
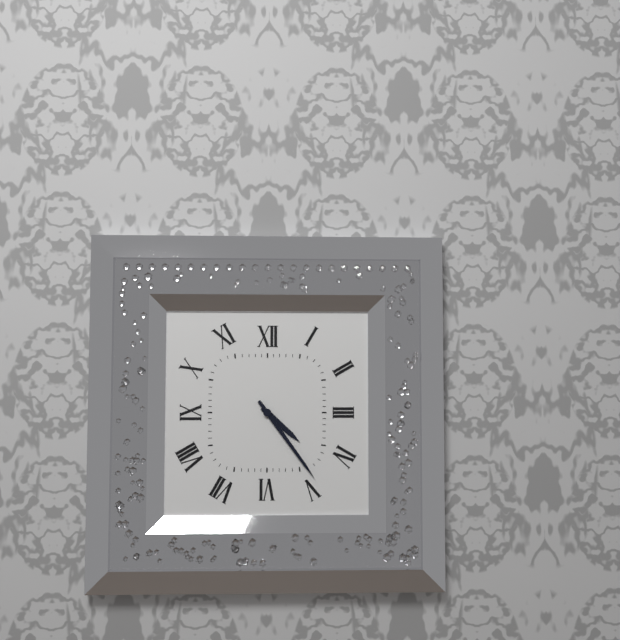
**4:24**
